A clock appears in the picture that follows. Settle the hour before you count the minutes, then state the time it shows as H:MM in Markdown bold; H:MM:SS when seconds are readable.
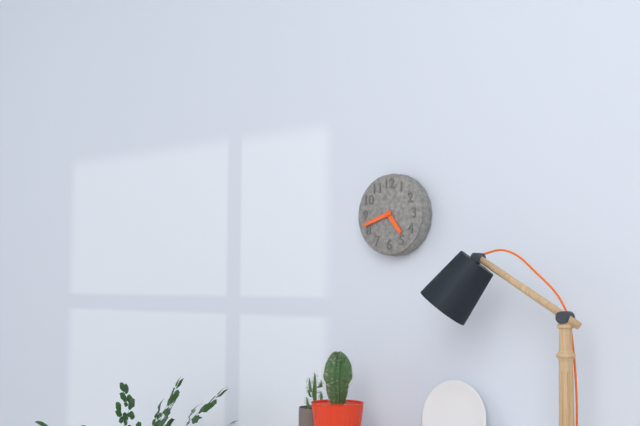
**4:42**
